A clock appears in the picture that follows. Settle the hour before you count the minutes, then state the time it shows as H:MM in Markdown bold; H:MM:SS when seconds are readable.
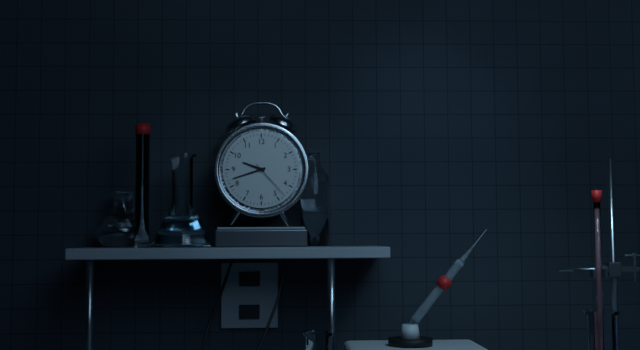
**9:42**
